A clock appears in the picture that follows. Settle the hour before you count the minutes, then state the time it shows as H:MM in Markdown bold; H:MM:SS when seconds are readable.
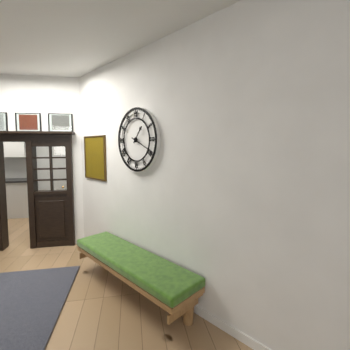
**1:19**
